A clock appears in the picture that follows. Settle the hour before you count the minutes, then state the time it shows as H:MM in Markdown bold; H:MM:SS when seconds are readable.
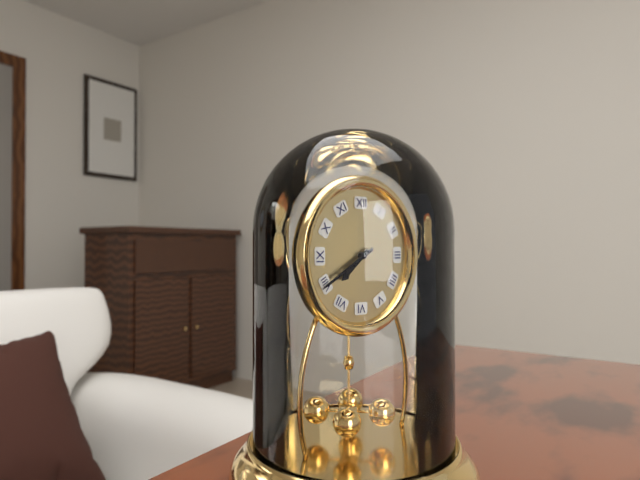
**7:40**
